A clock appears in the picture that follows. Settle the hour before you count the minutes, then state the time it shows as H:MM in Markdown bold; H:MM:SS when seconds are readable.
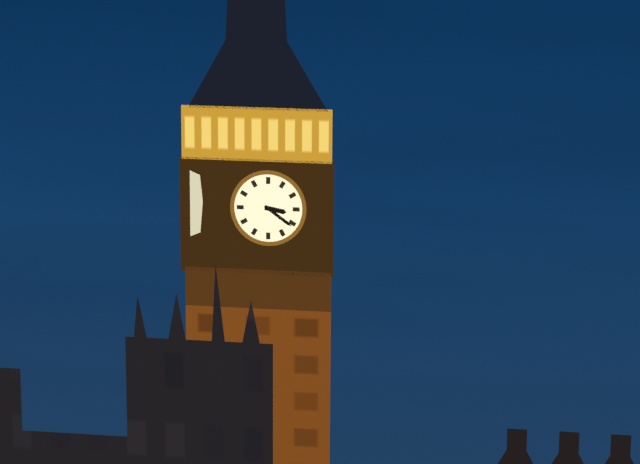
**3:21**
